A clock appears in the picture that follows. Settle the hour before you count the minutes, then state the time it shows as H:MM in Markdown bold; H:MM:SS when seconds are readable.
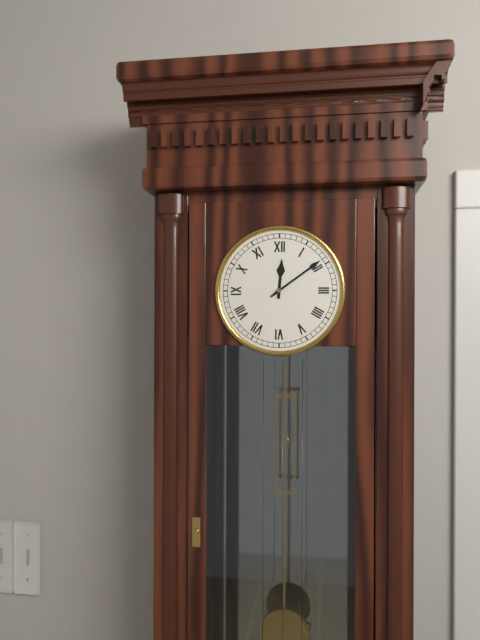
**12:09**
